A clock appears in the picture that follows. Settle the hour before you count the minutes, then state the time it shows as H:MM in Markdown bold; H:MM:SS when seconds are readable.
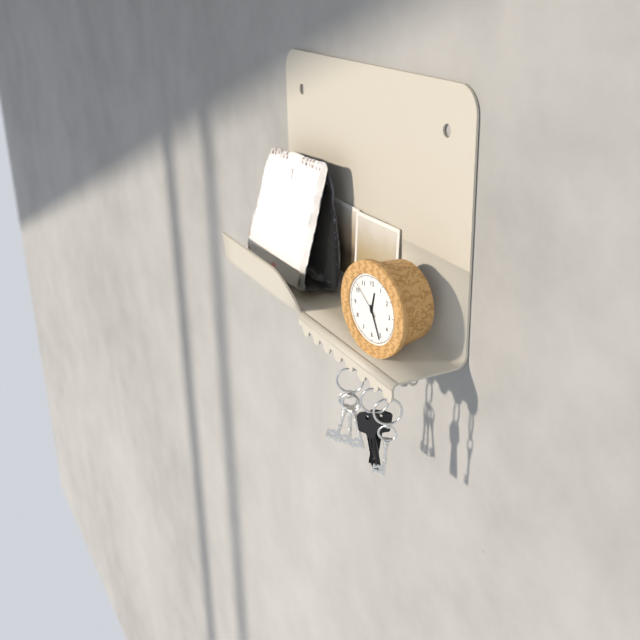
**12:26**
